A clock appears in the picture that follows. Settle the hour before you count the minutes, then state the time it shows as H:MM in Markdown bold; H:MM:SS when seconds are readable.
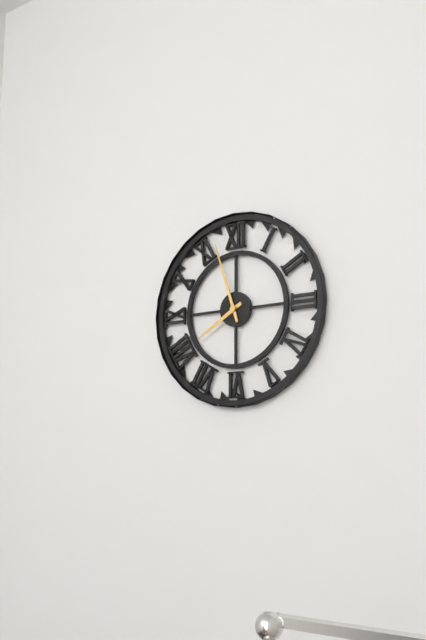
**7:57**
